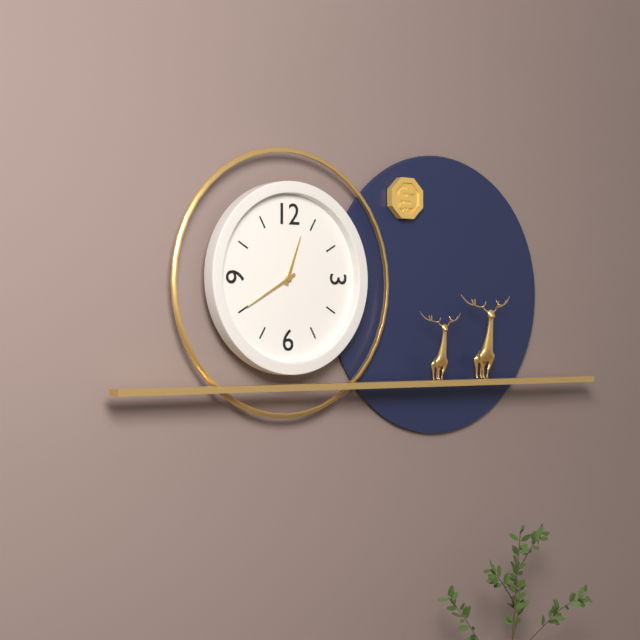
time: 12:40
